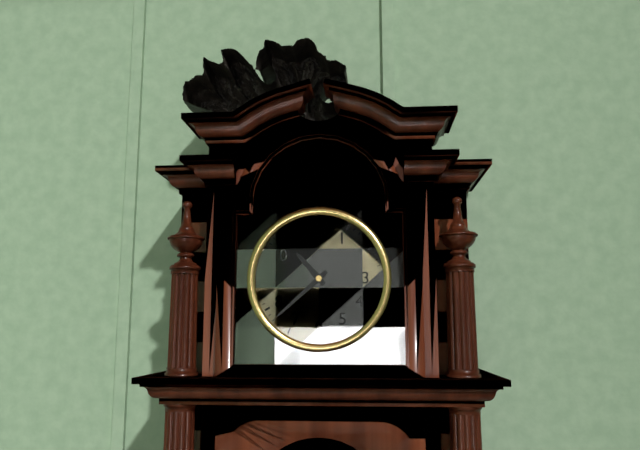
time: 10:38
